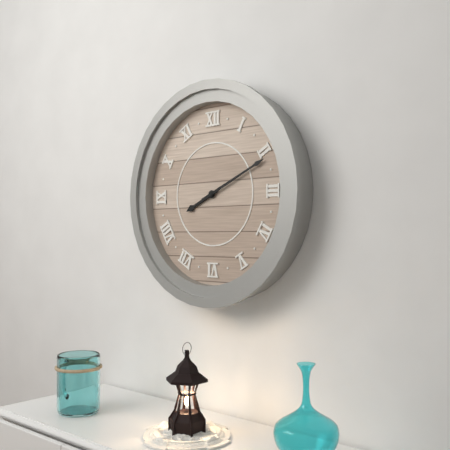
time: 8:11
